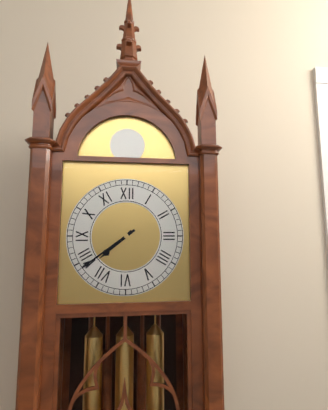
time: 7:39
